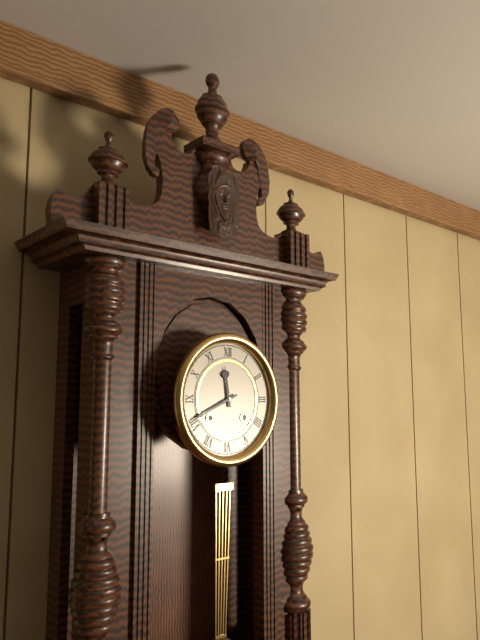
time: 11:41
